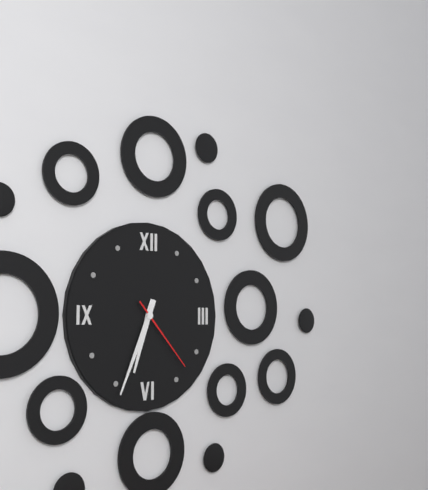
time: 6:34:23
